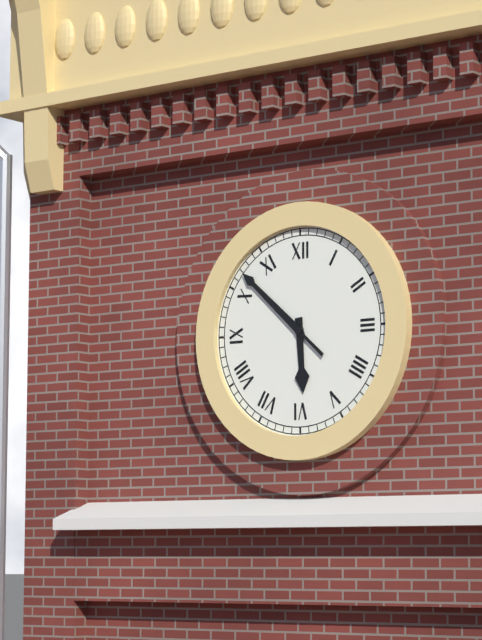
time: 5:52
